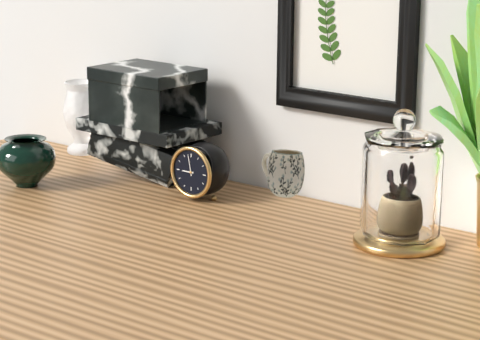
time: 8:58
